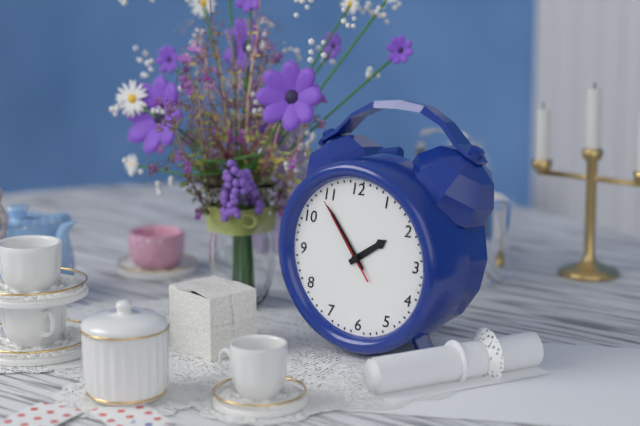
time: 1:54:54
